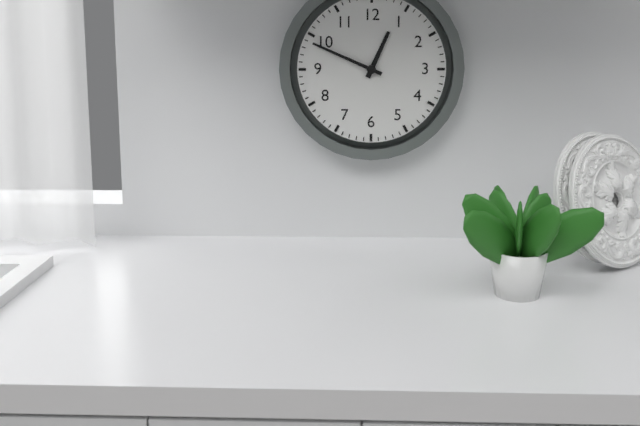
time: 12:49
